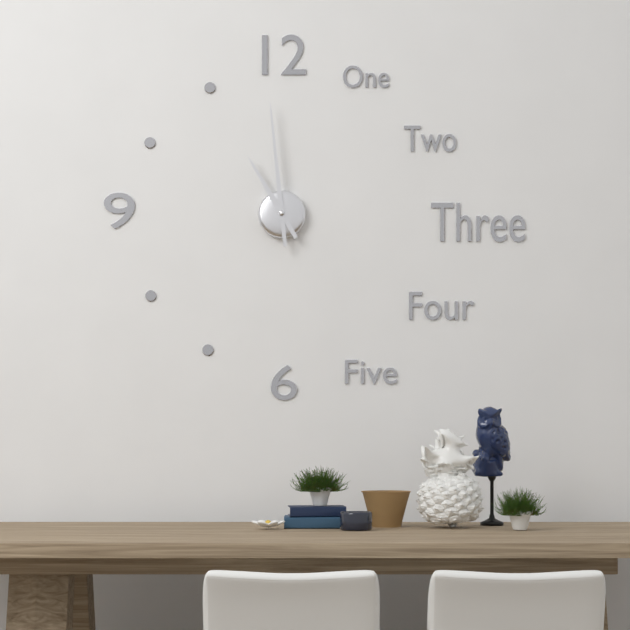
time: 10:59
